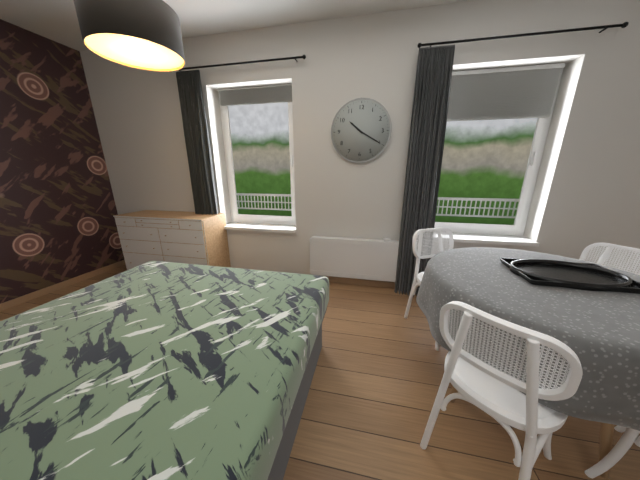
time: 10:20
